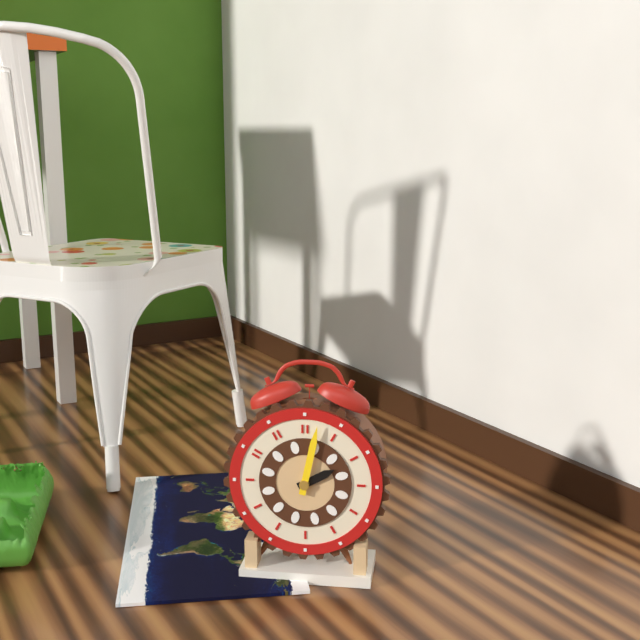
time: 2:02
